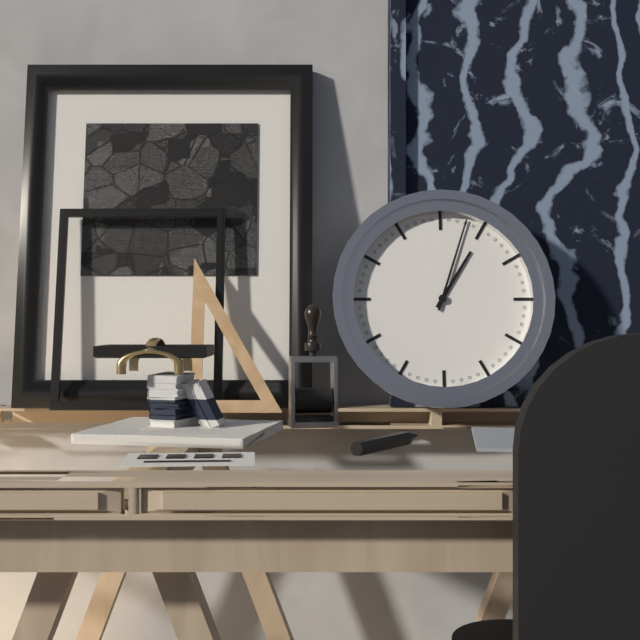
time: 1:03
